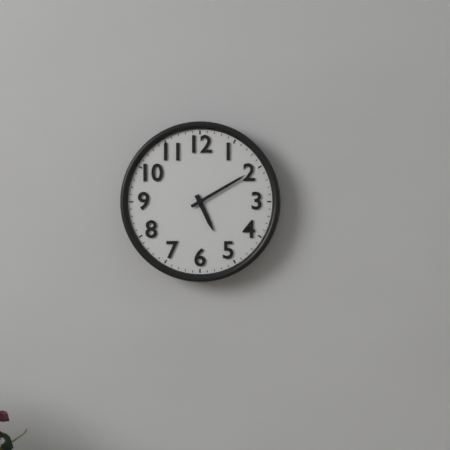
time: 5:10
